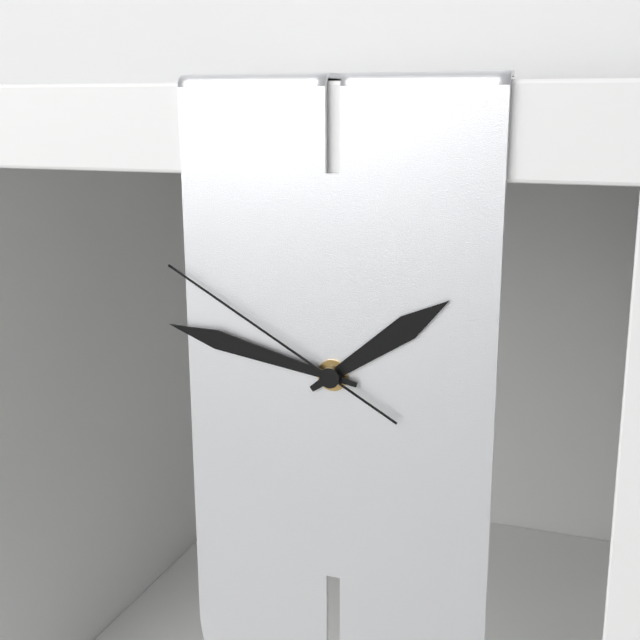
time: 1:47:50
